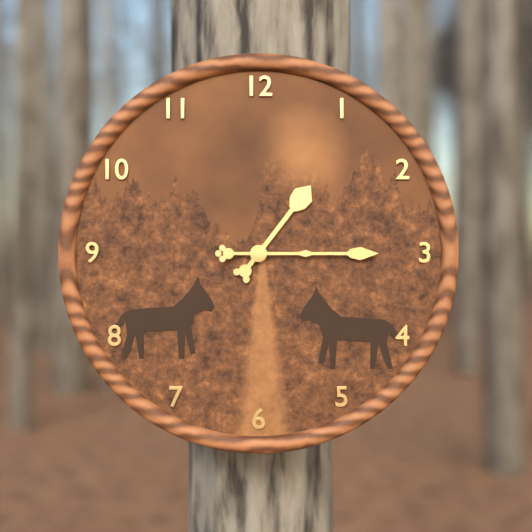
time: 1:15
